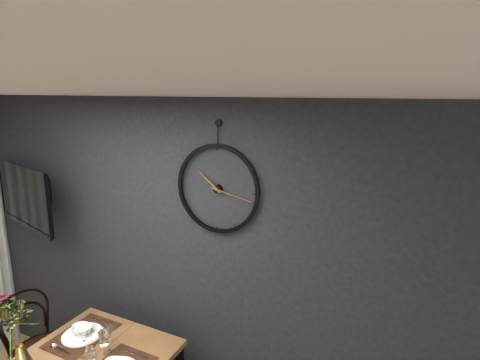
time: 10:17
